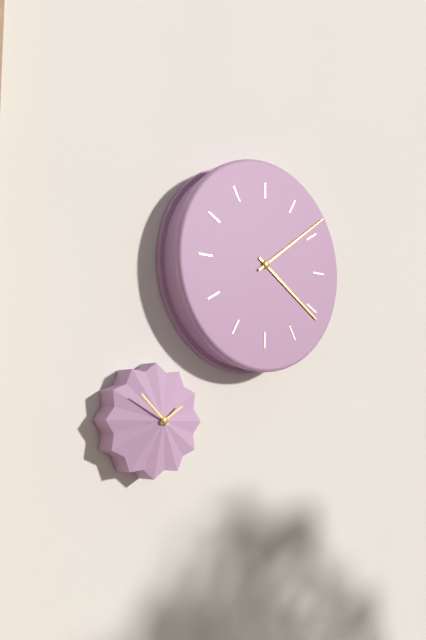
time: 4:09
